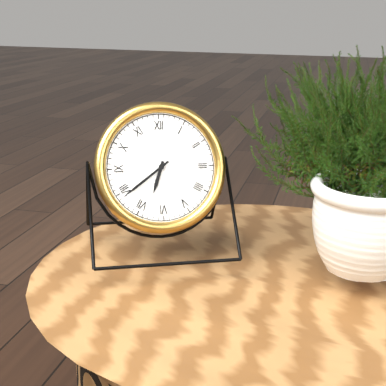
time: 6:39
